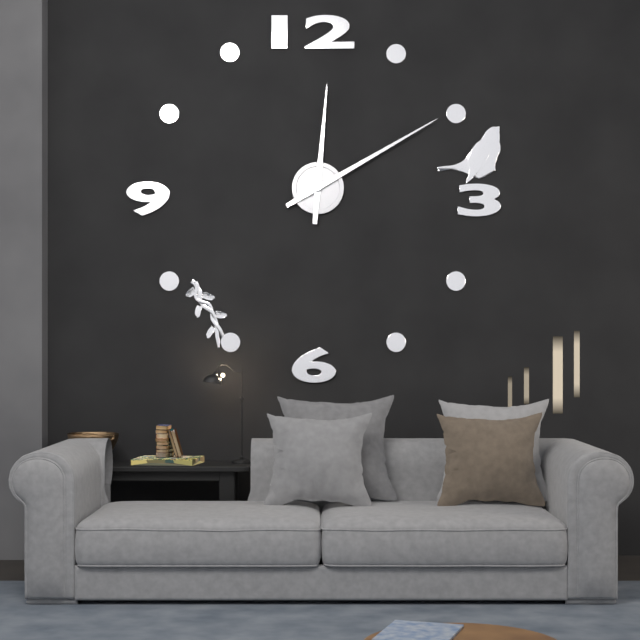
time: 12:10
